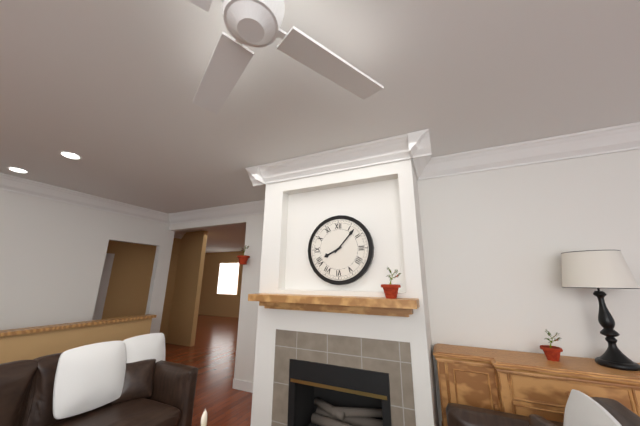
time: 8:07
